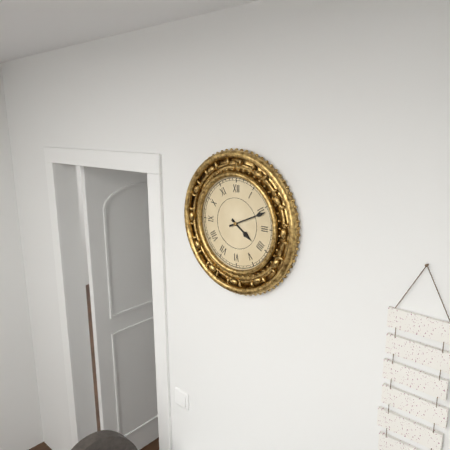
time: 4:11
